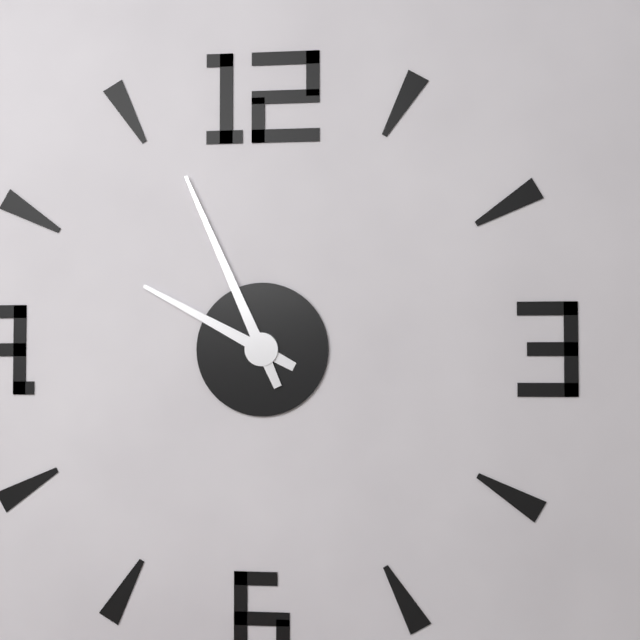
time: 9:56
